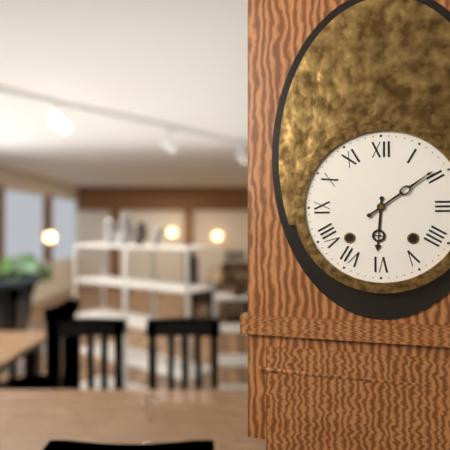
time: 6:09
